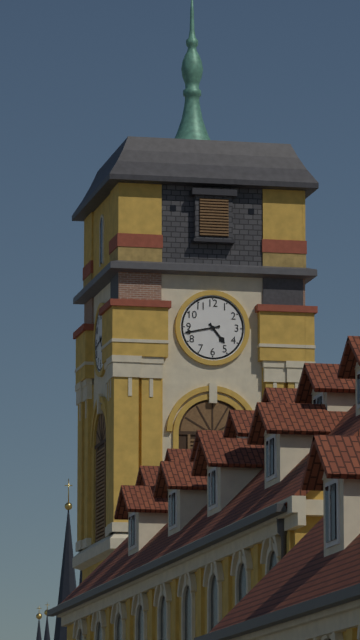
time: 4:43
